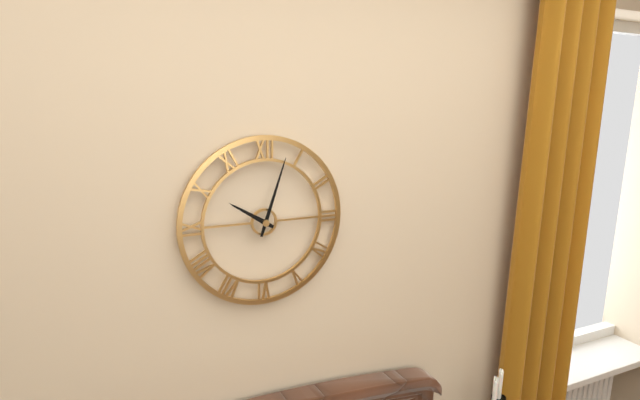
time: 10:03
